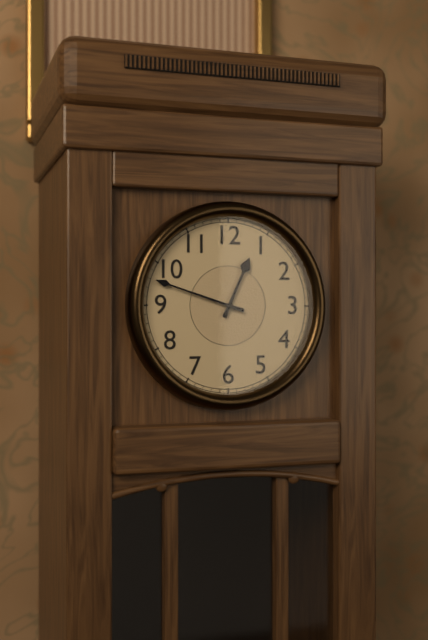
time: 12:48
